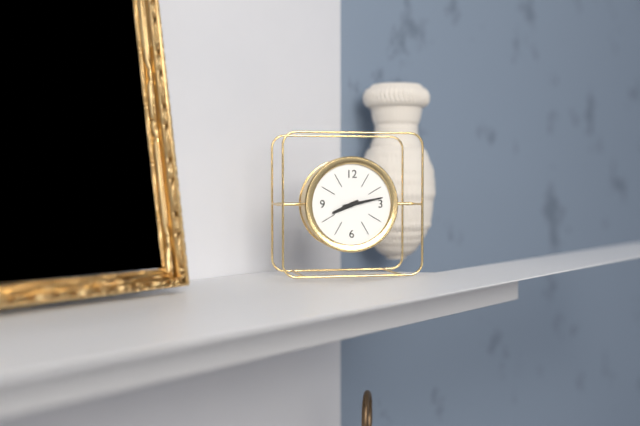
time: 8:13
